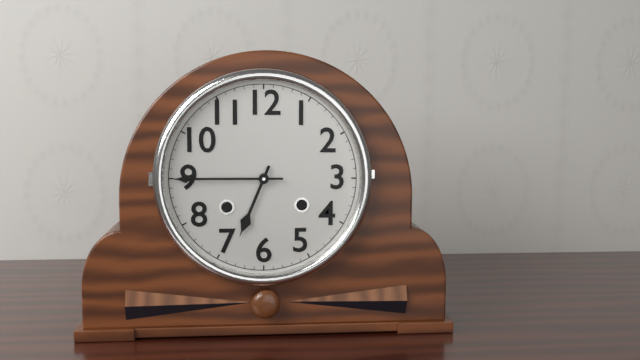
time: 6:45
